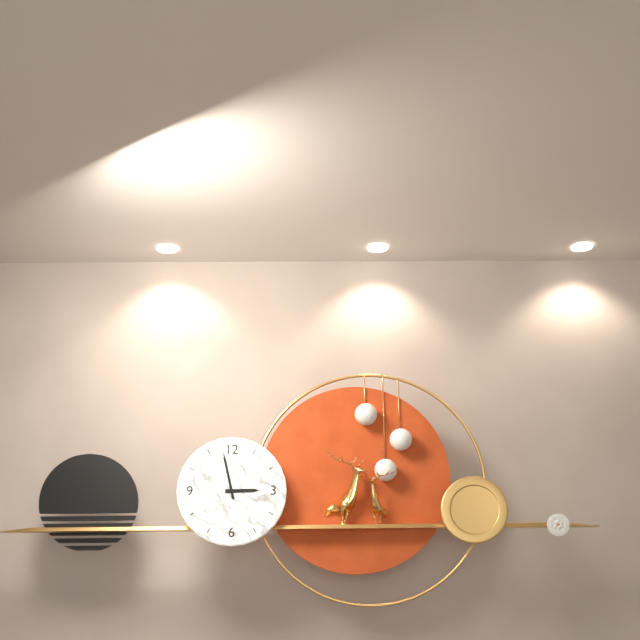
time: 2:58
